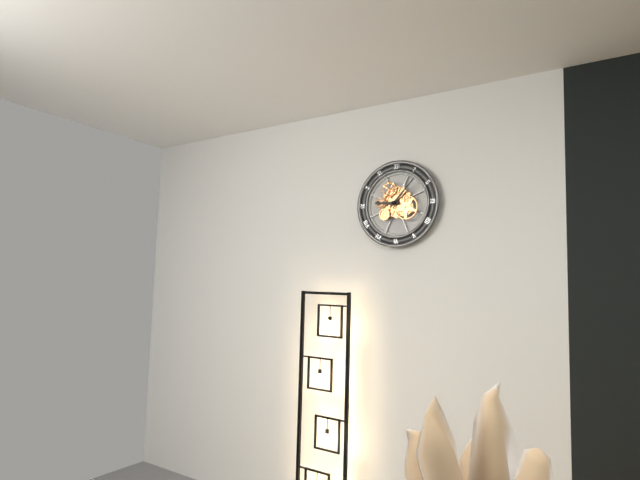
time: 9:07
